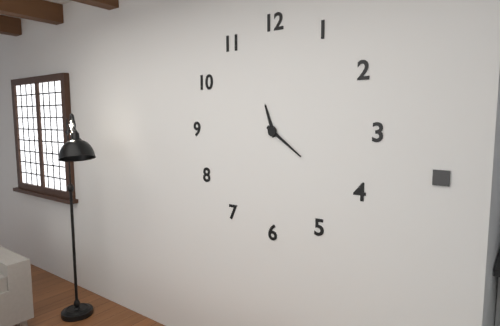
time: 11:21
